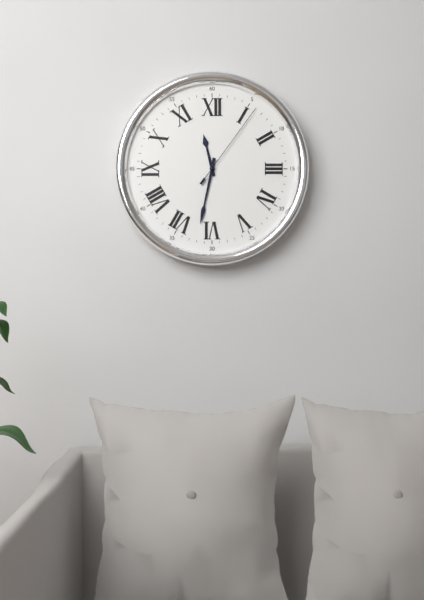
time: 11:32:06
